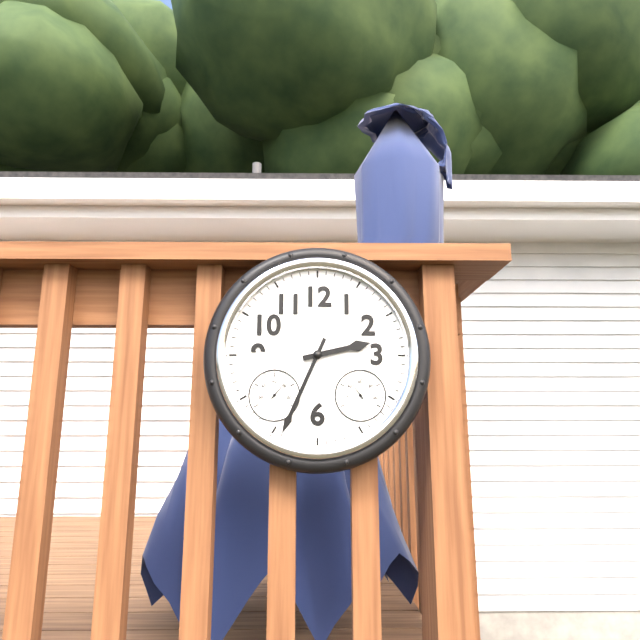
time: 2:34
